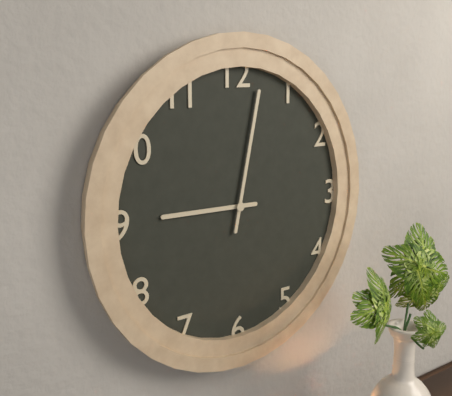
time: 9:02
